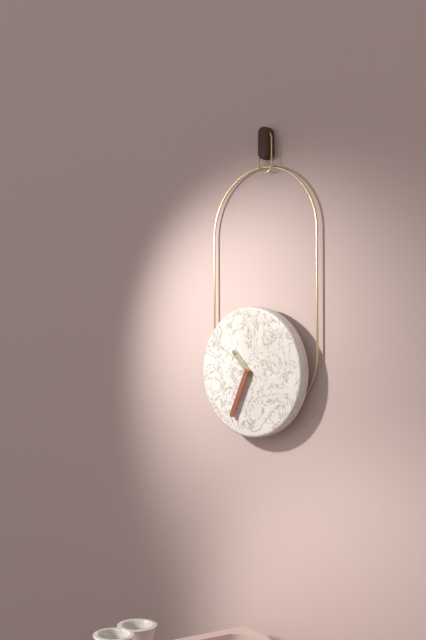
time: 10:34
